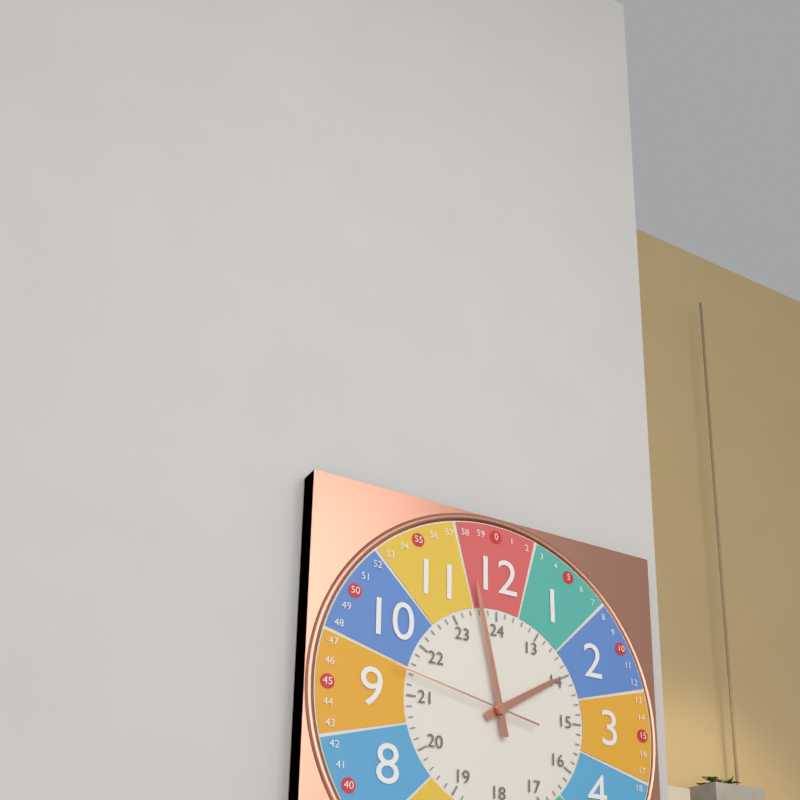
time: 1:58:47
